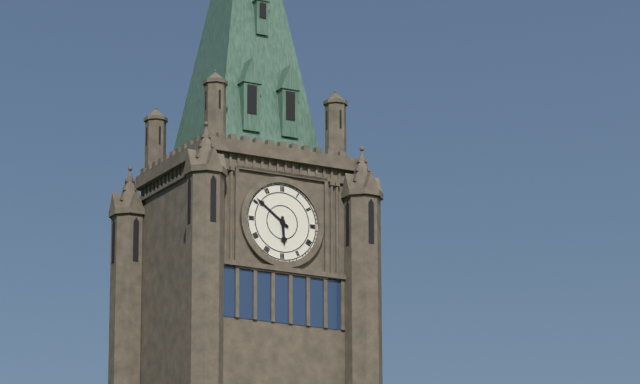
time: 5:51
